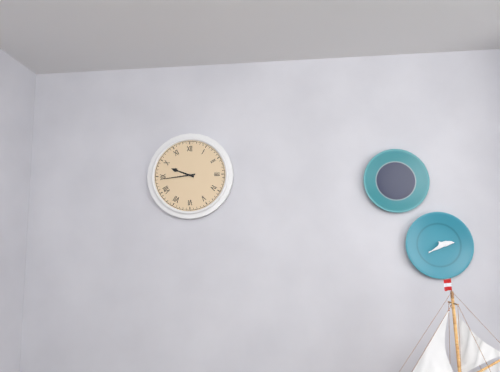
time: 9:44
